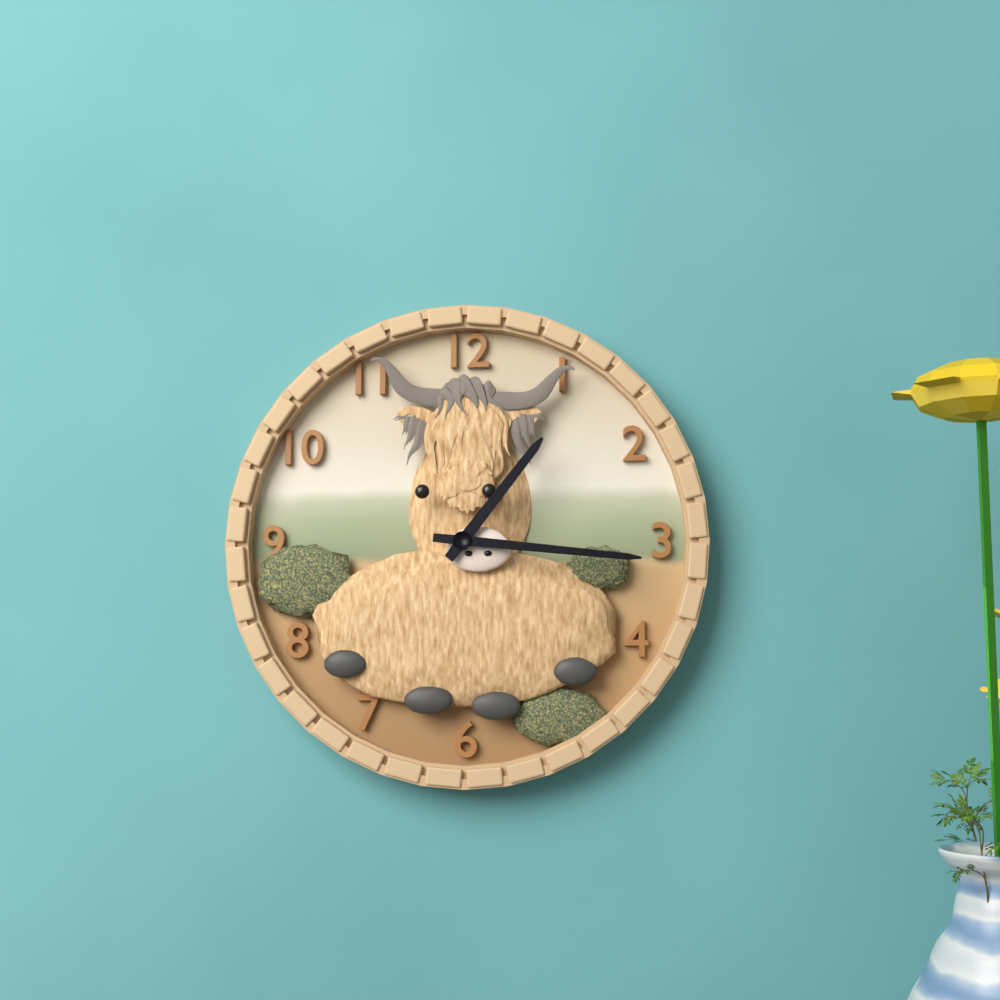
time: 1:16
